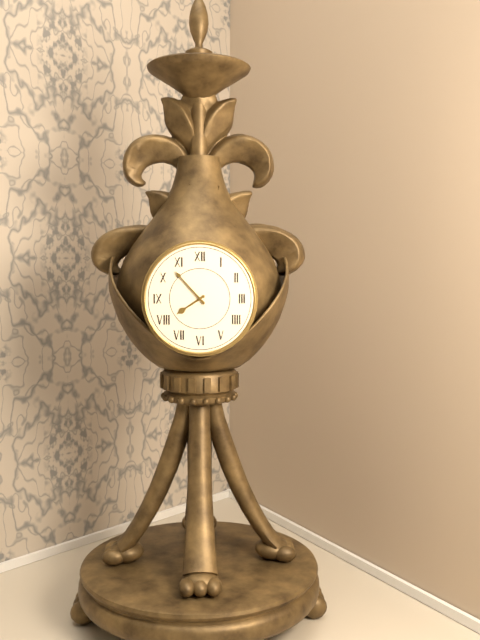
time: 7:53
